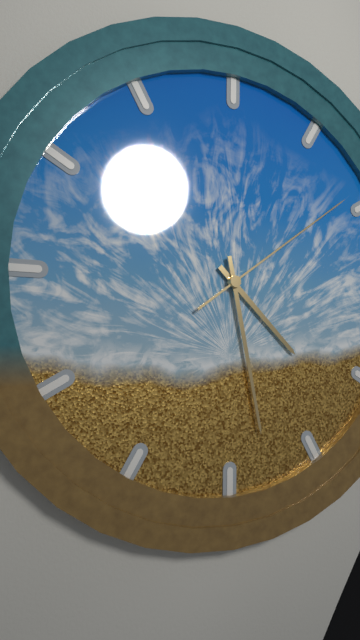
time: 4:28:09
